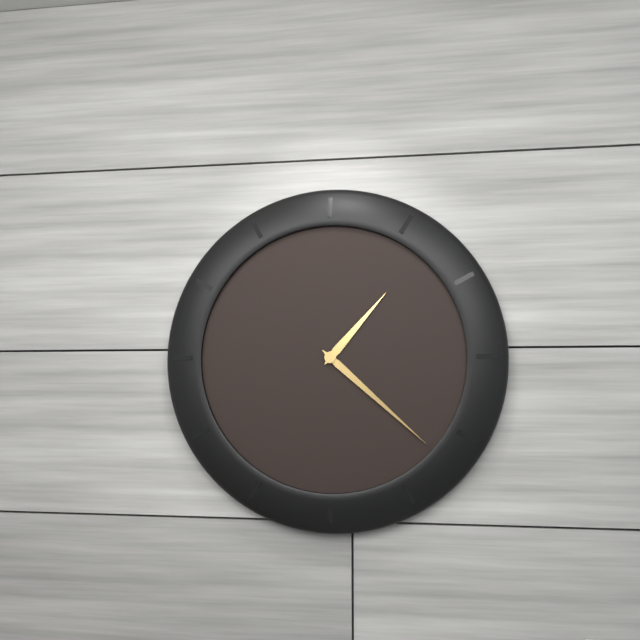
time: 1:22
